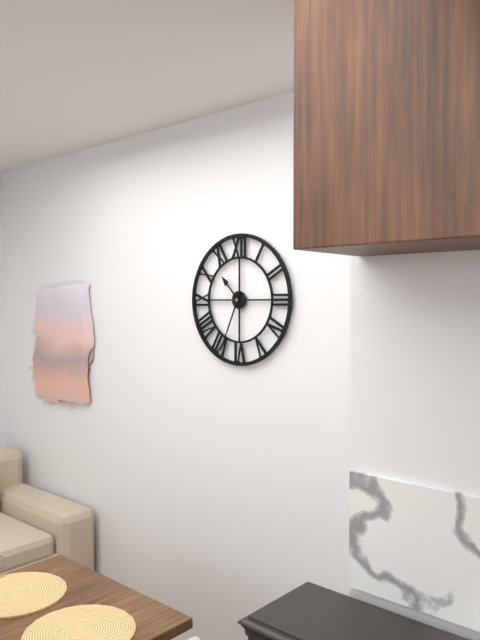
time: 10:34
